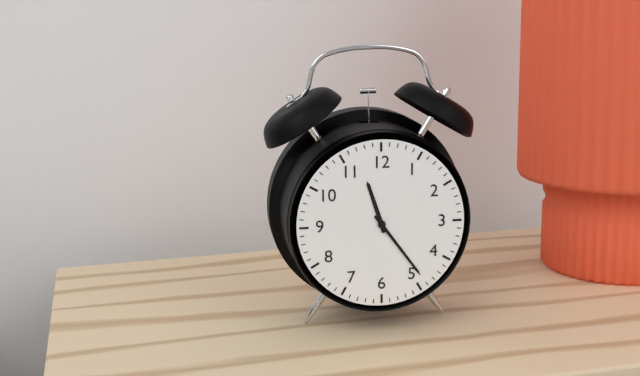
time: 11:24
